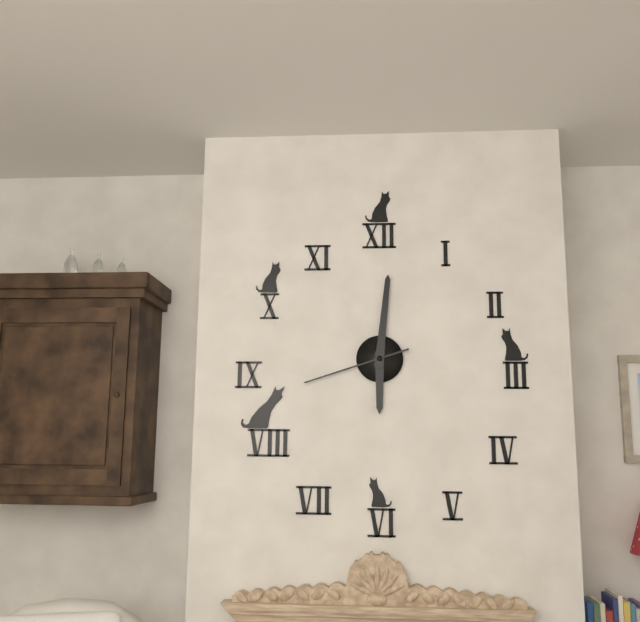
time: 6:01:42
